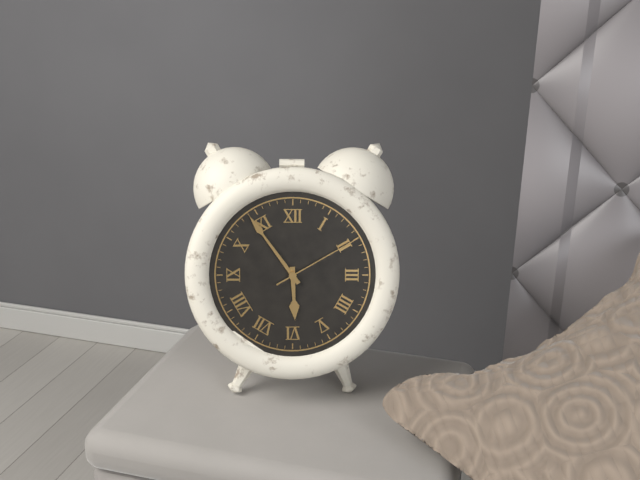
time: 5:54:10
